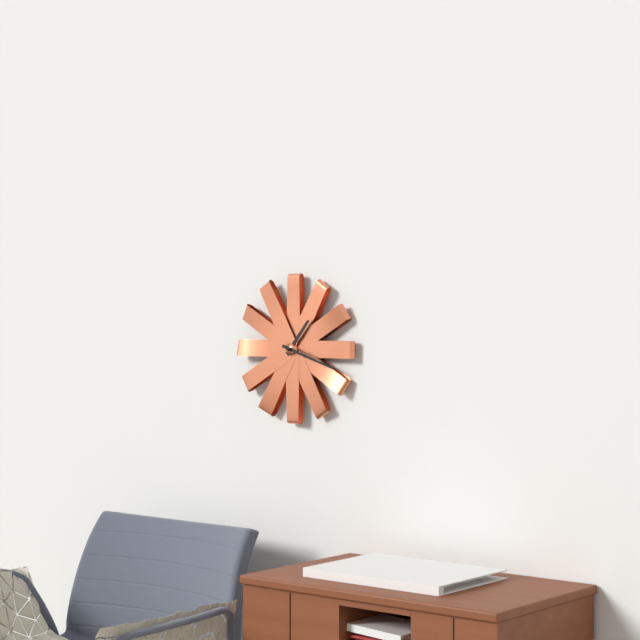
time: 1:18
